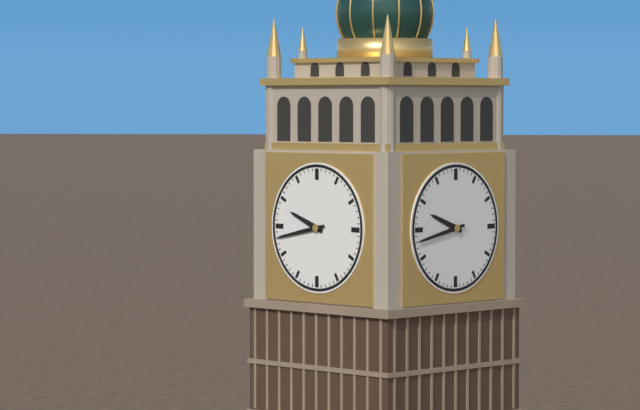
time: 9:43
